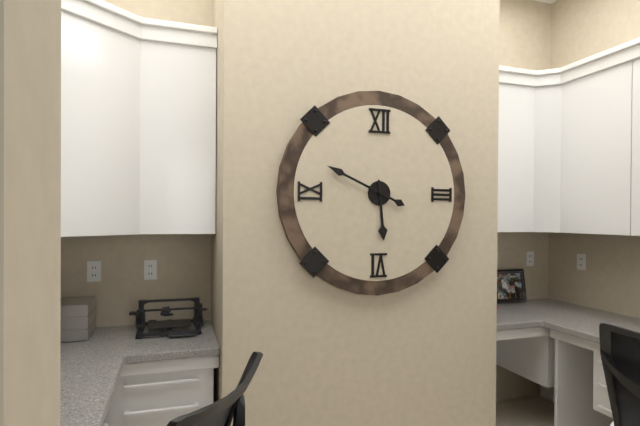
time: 5:49
